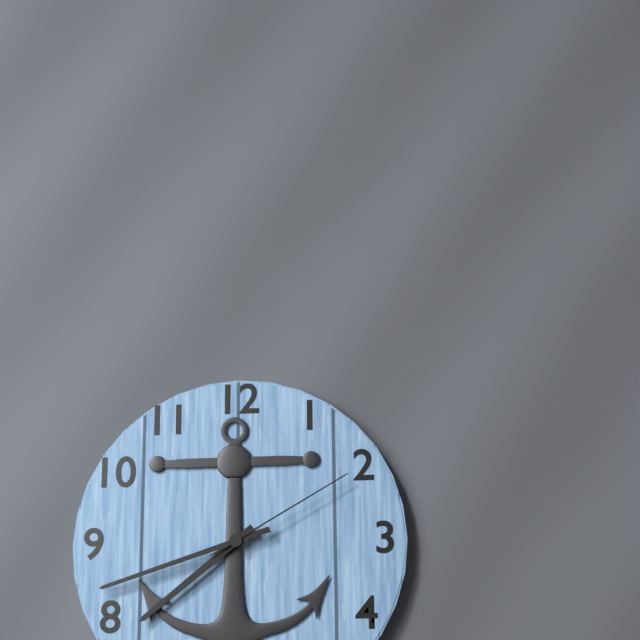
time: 7:42:10
